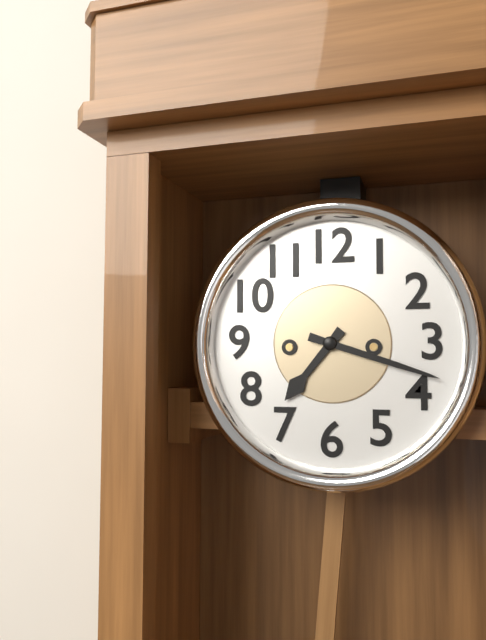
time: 7:18
